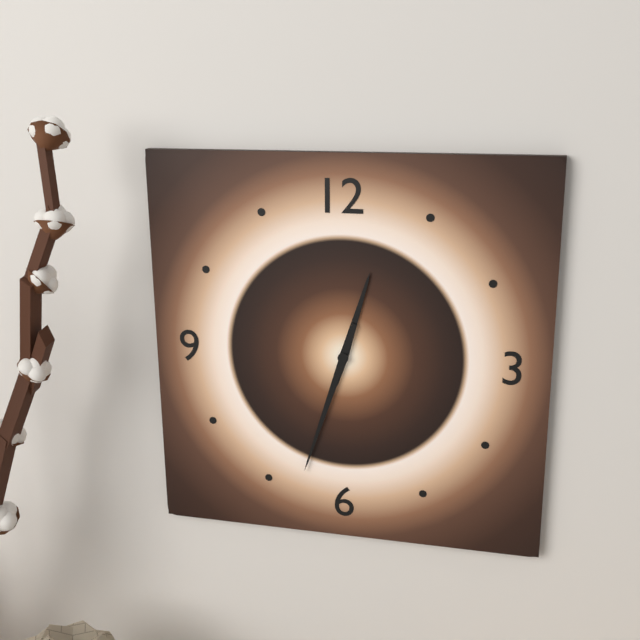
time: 12:33
